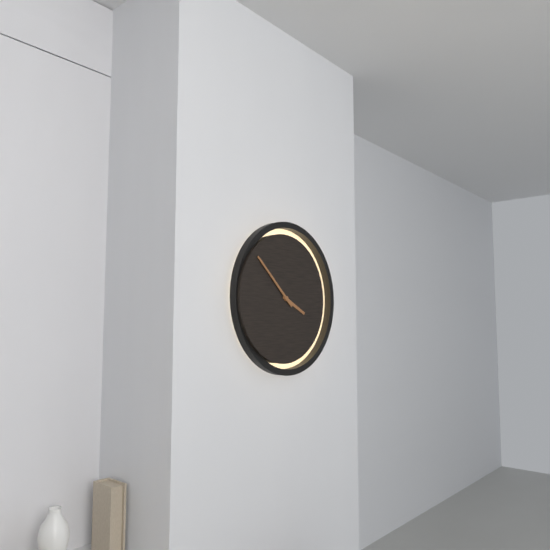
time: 3:52
